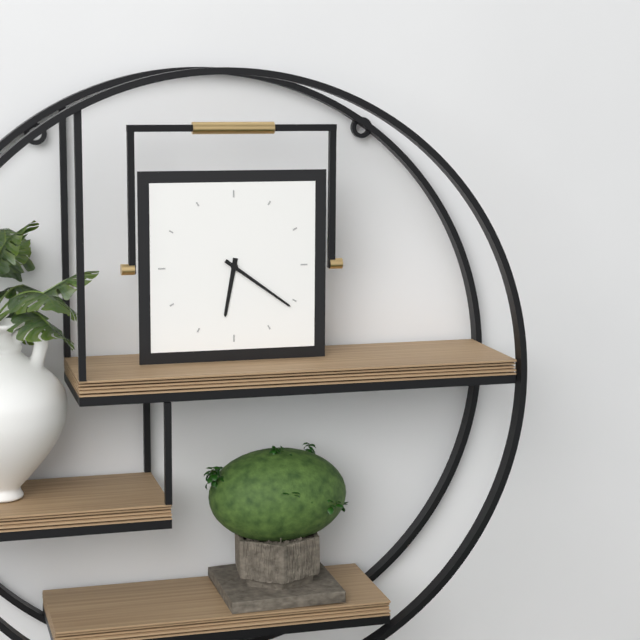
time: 6:21
